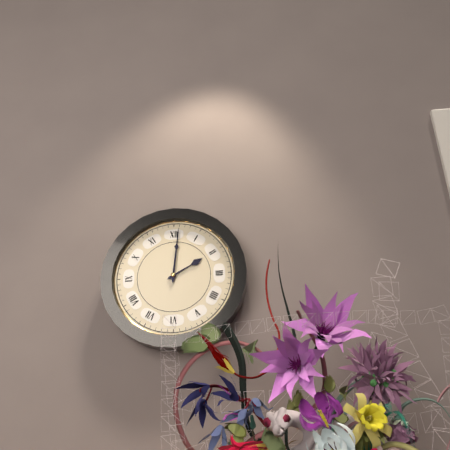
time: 2:01
